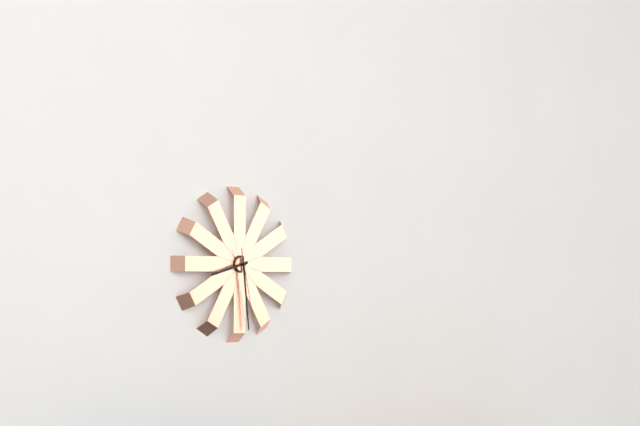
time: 8:29:28
